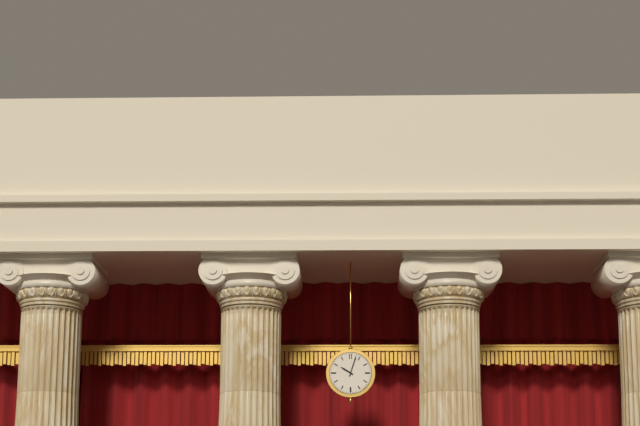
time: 10:03
